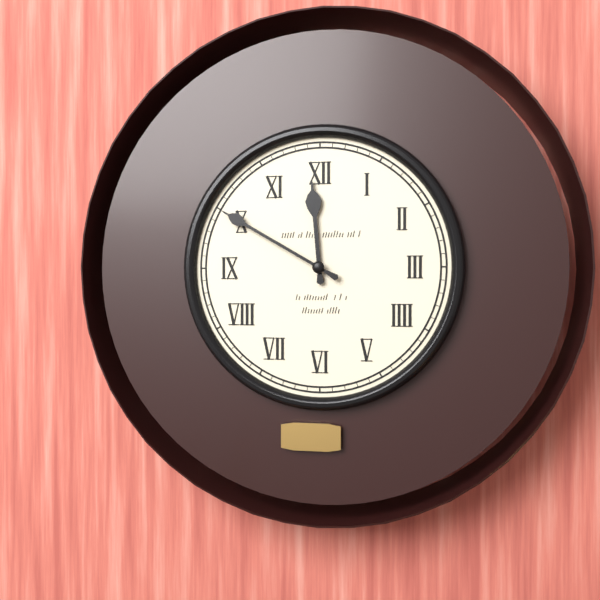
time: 11:50
